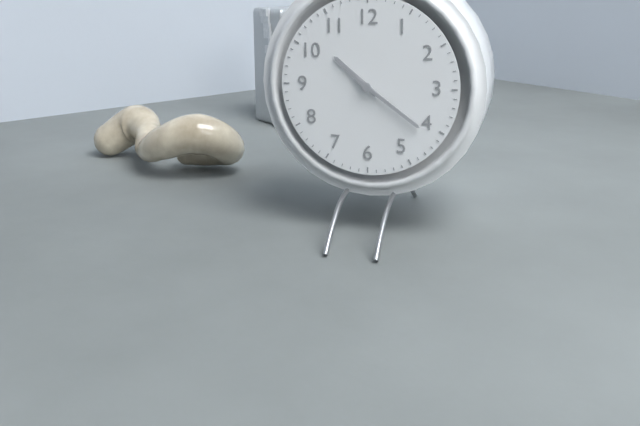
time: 10:21
